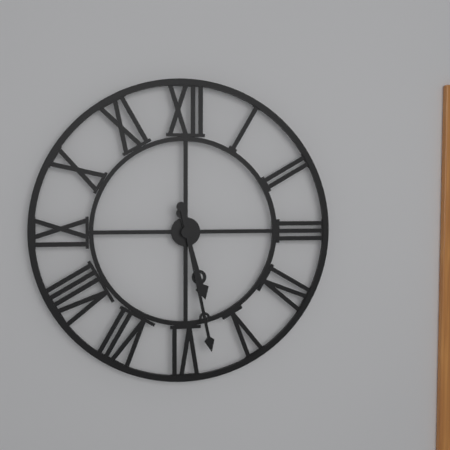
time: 5:28
